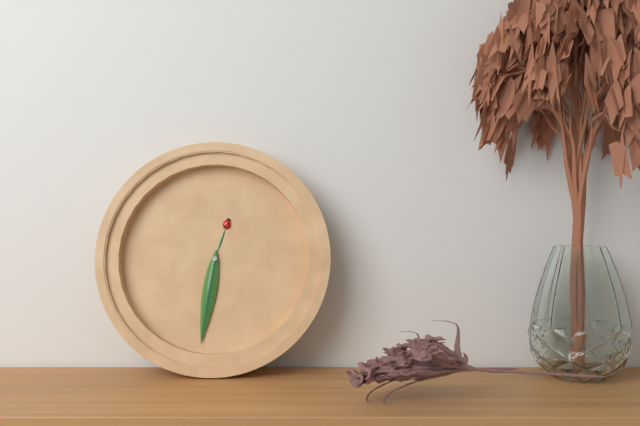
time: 12:31
